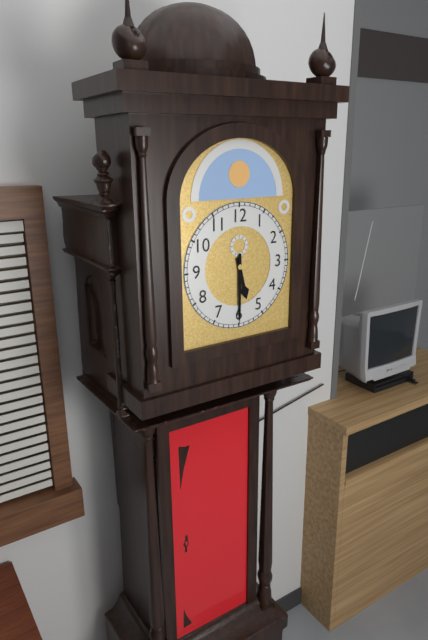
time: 5:30
